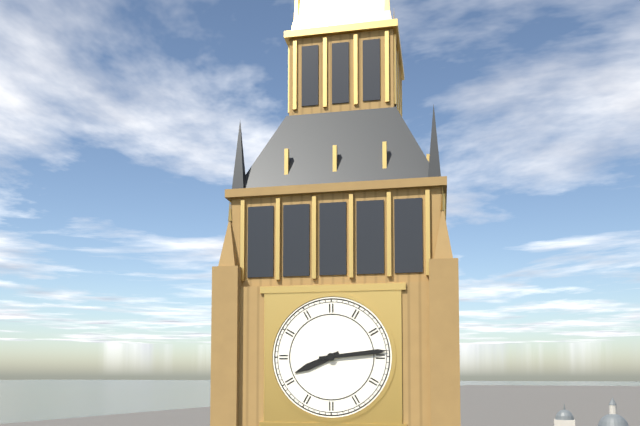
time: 8:14
